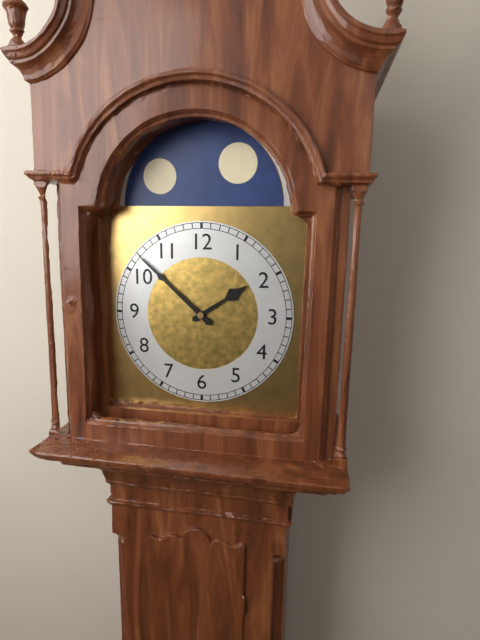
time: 1:52
